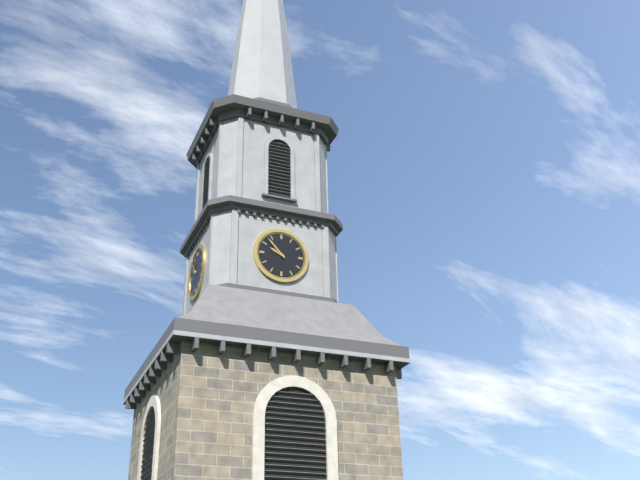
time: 9:53
